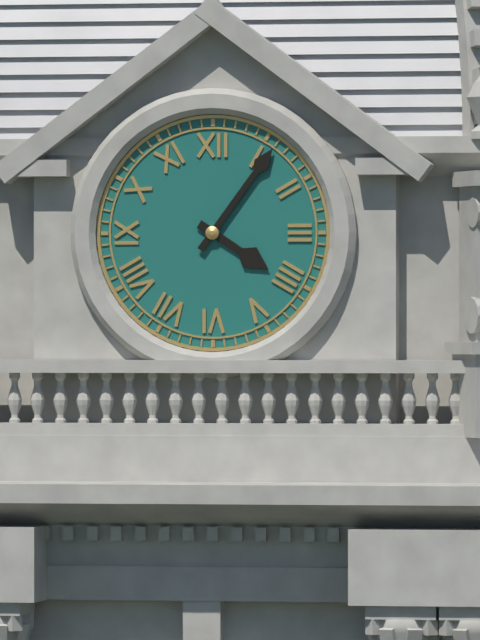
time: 4:06
